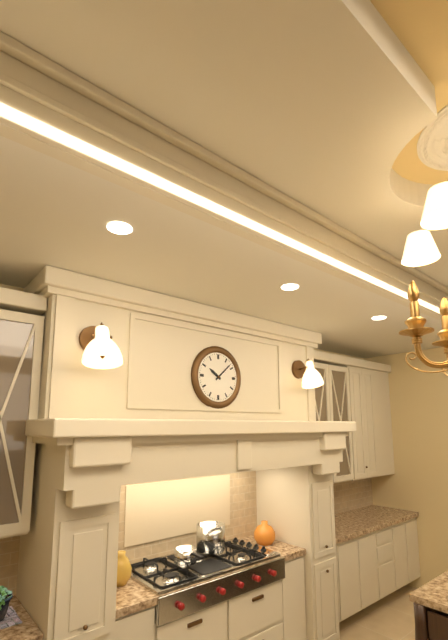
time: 10:08
